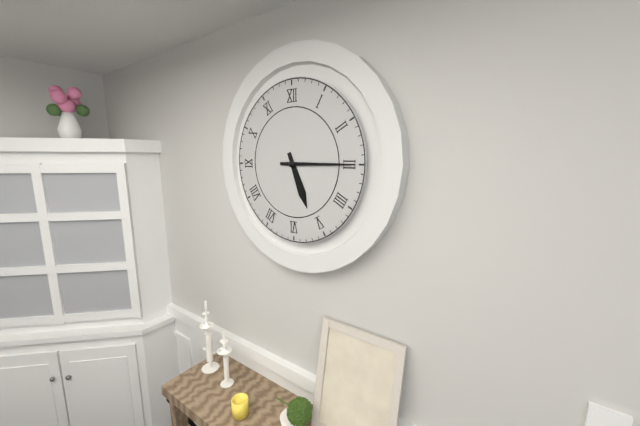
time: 5:15
